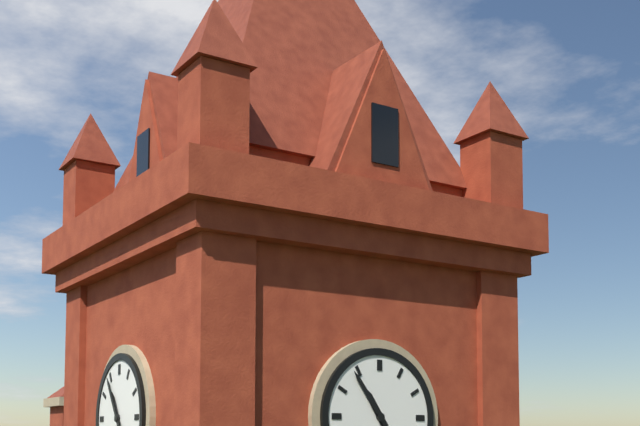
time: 10:54
